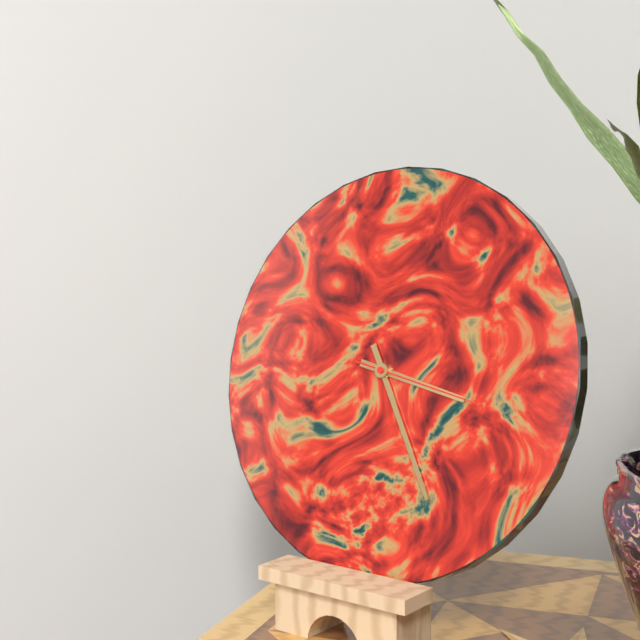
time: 3:25:17
